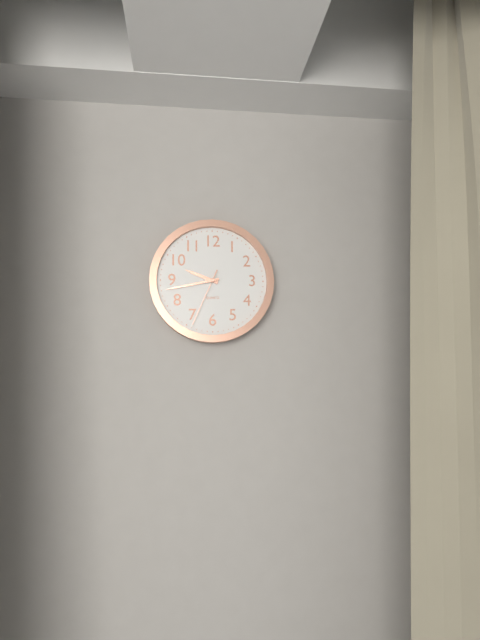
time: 9:43:34
